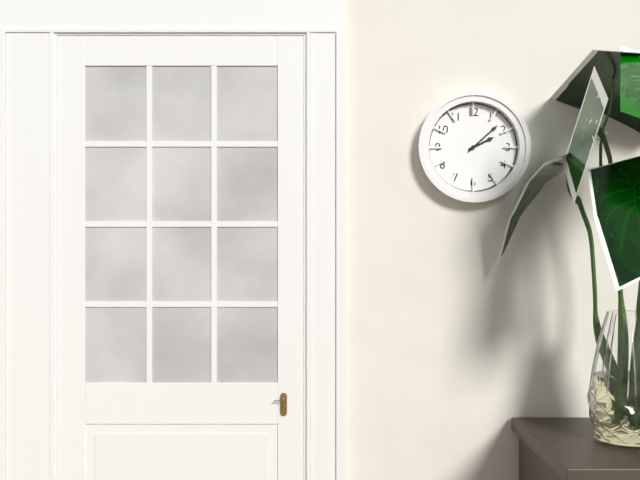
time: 2:08
